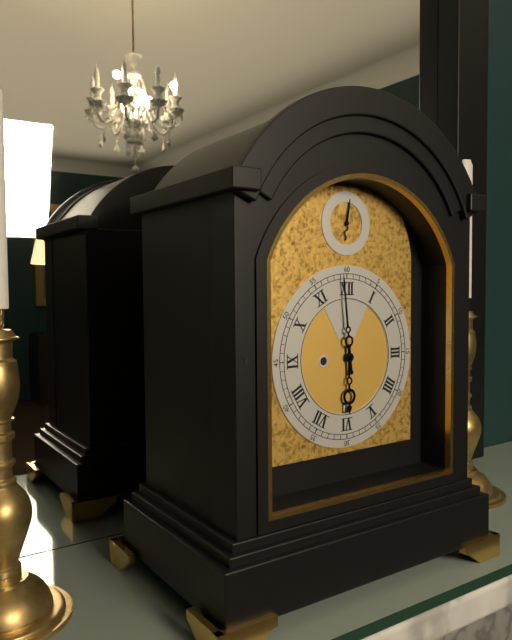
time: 5:59
